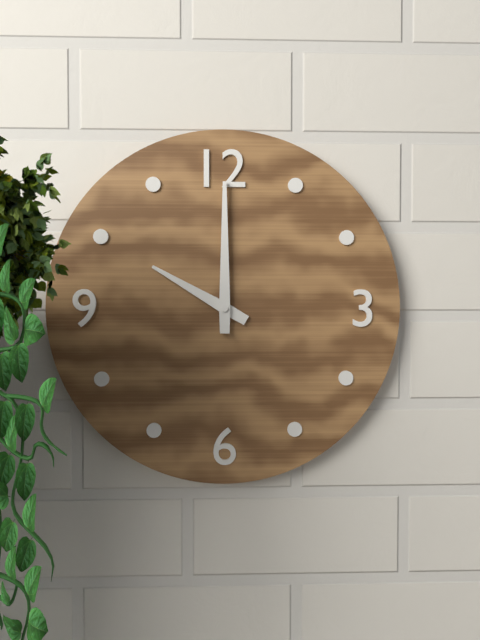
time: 10:00
